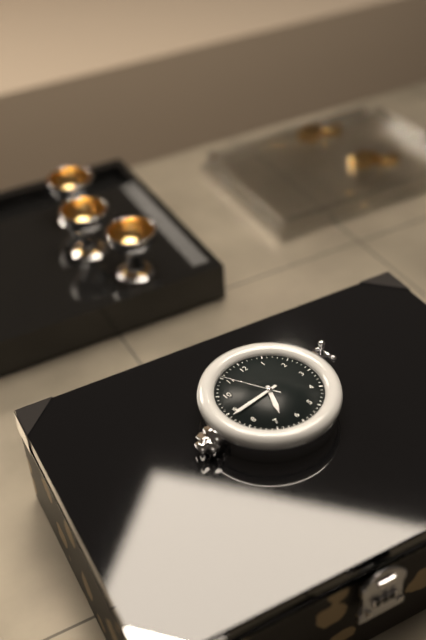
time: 6:44:55
